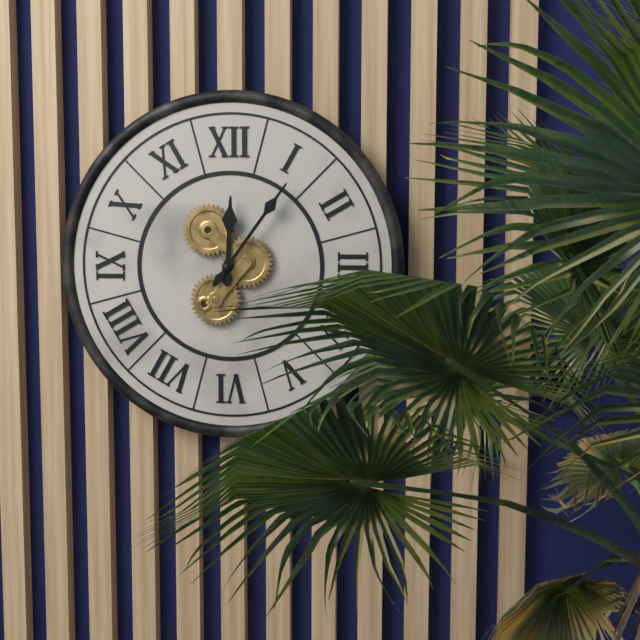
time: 12:06
